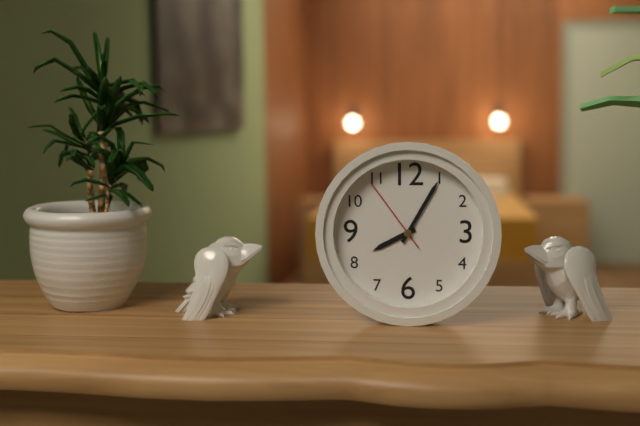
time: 8:05:54
